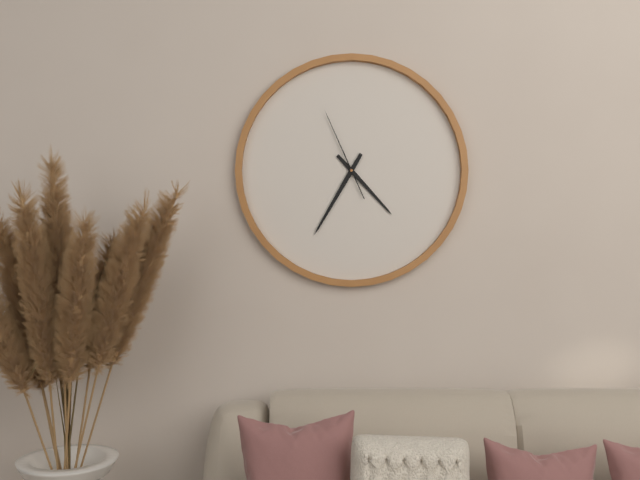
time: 4:35:56
